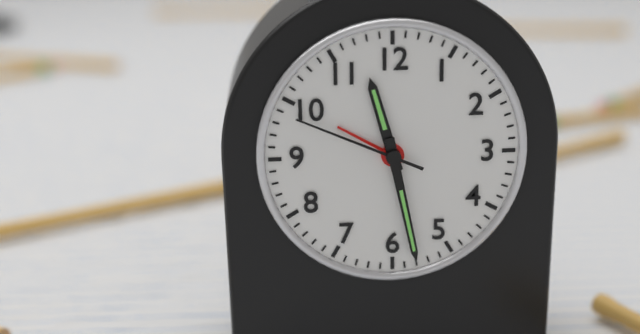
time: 11:28:49
